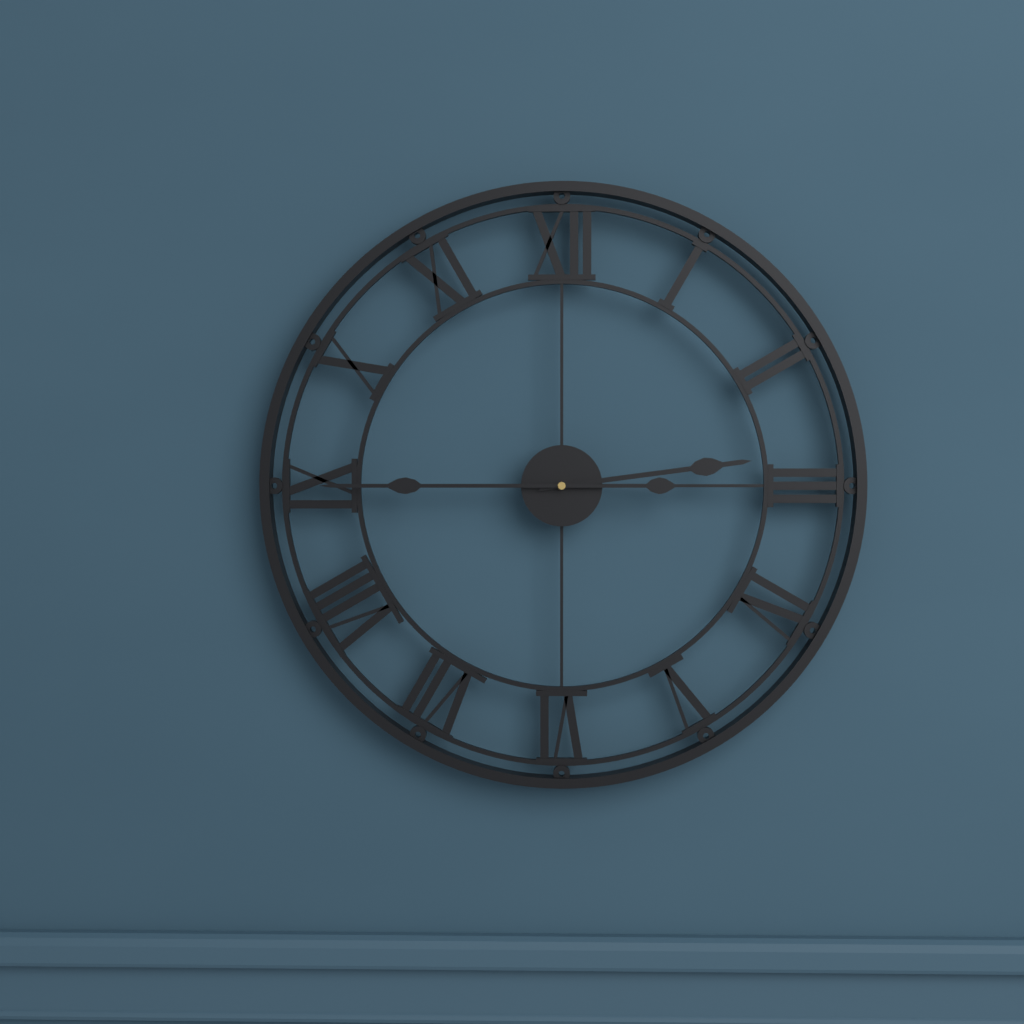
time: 2:45
